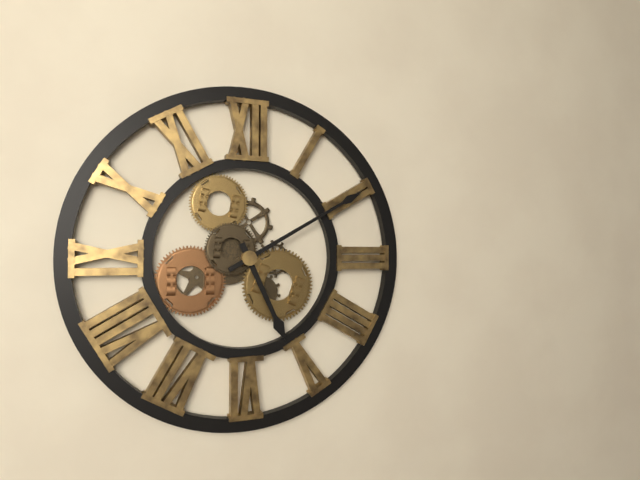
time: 5:10
